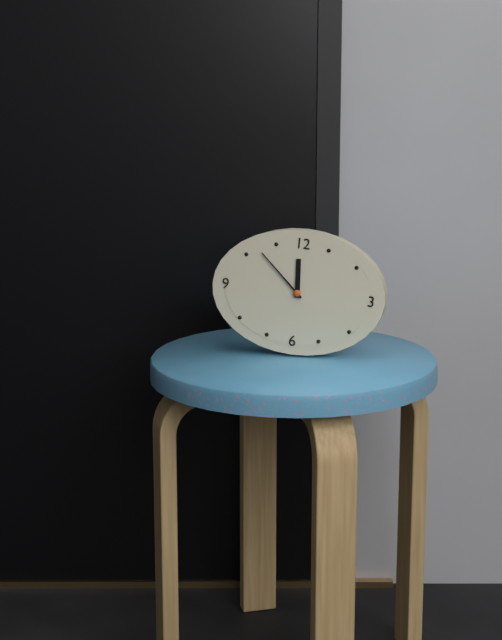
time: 11:52
